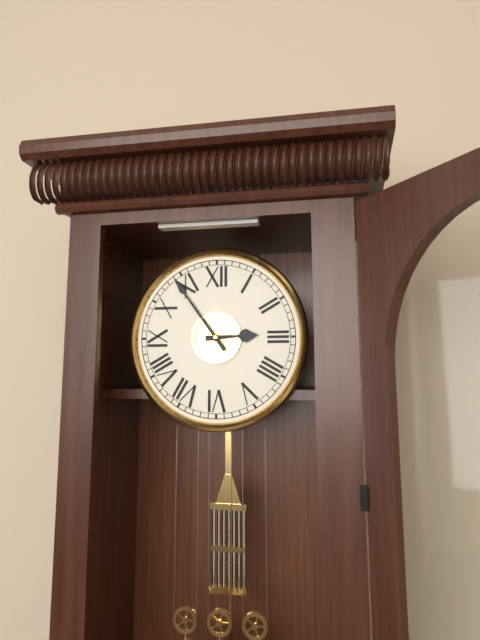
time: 2:54
